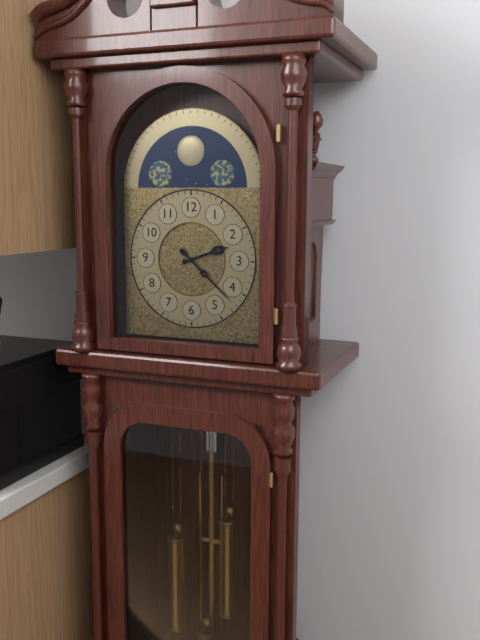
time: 2:22
